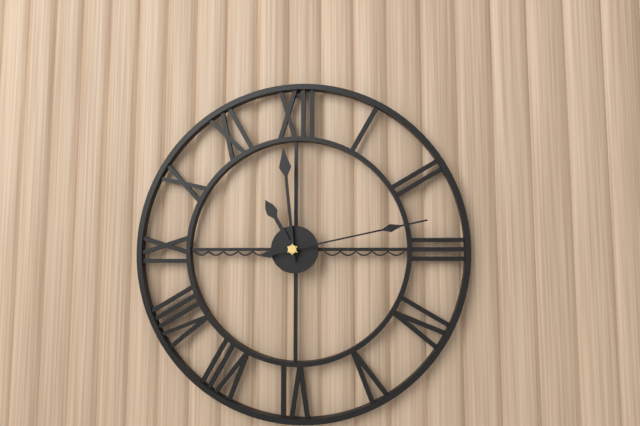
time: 10:59:13
